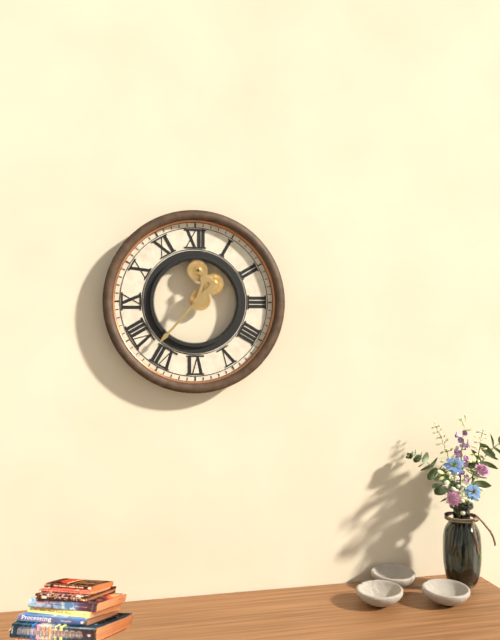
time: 12:37
